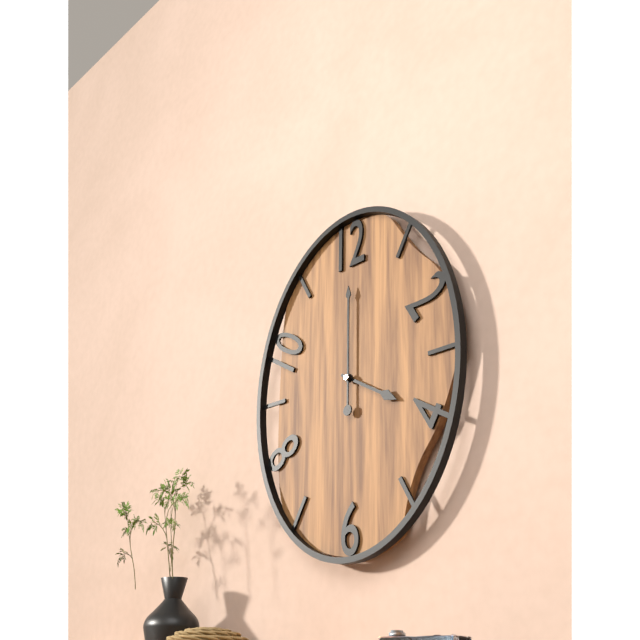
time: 4:00
